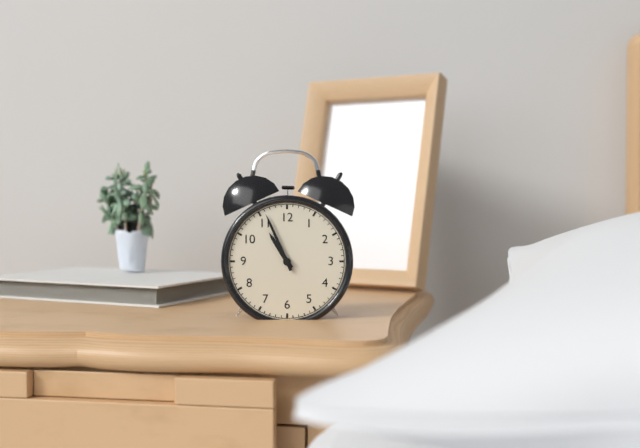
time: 10:56
